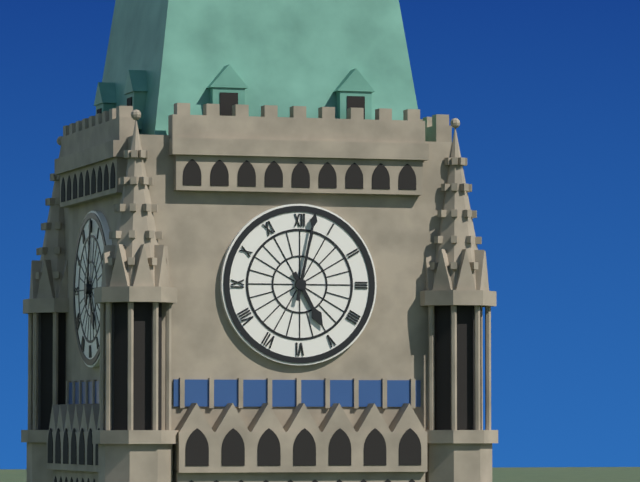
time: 5:02
